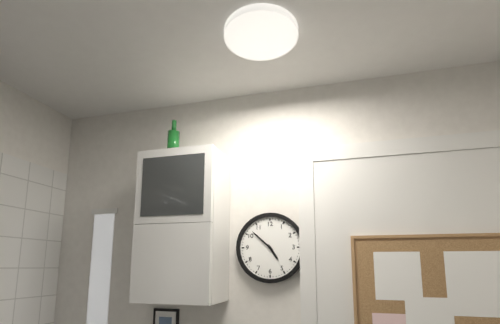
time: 4:52
